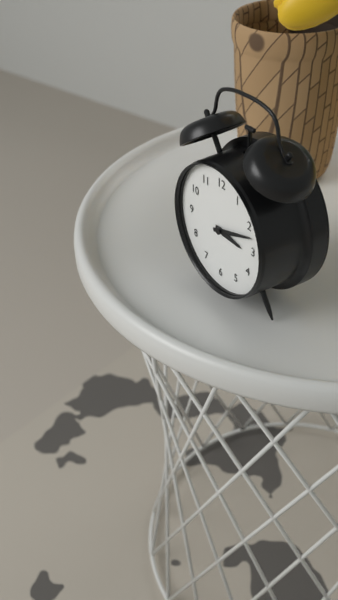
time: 3:12
